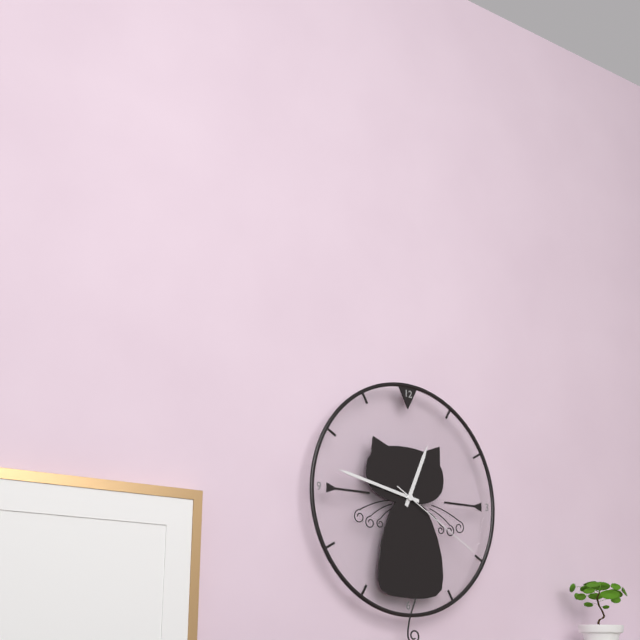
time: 12:47:20
